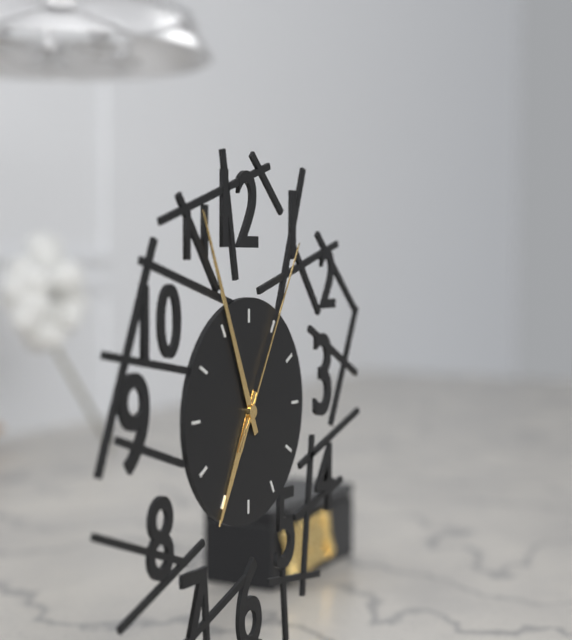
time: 6:56:05
